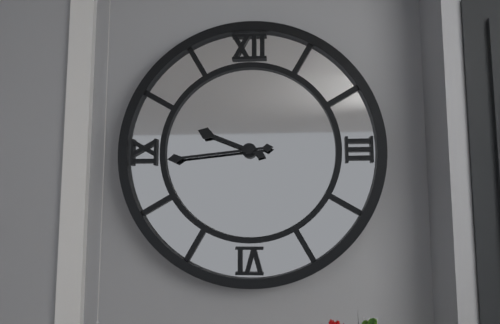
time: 9:44
